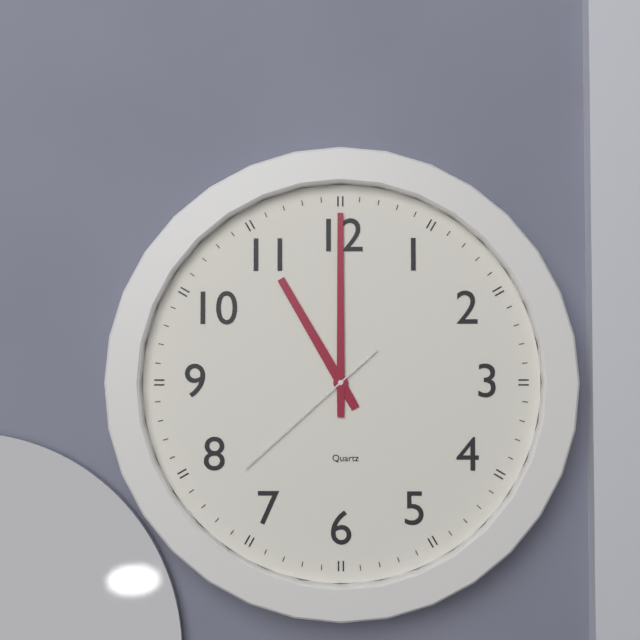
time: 11:00:38
